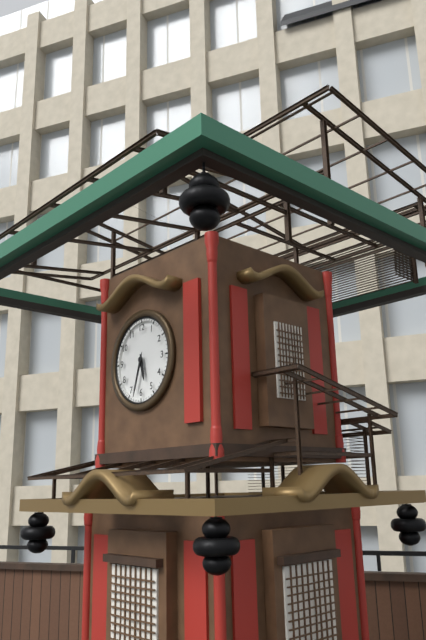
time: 5:33
